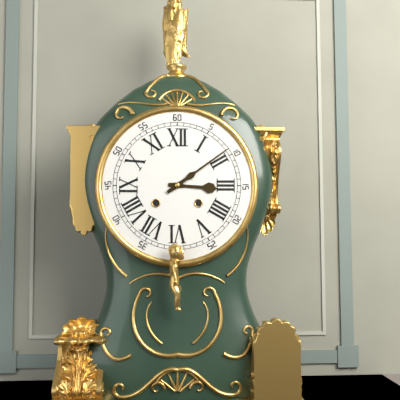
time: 3:09
